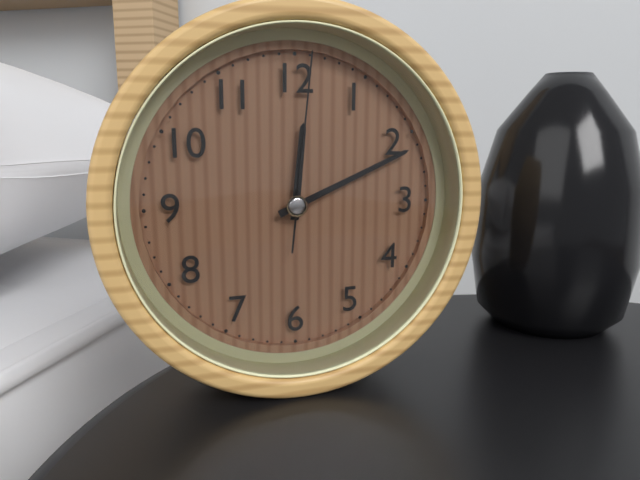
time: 12:11:01
